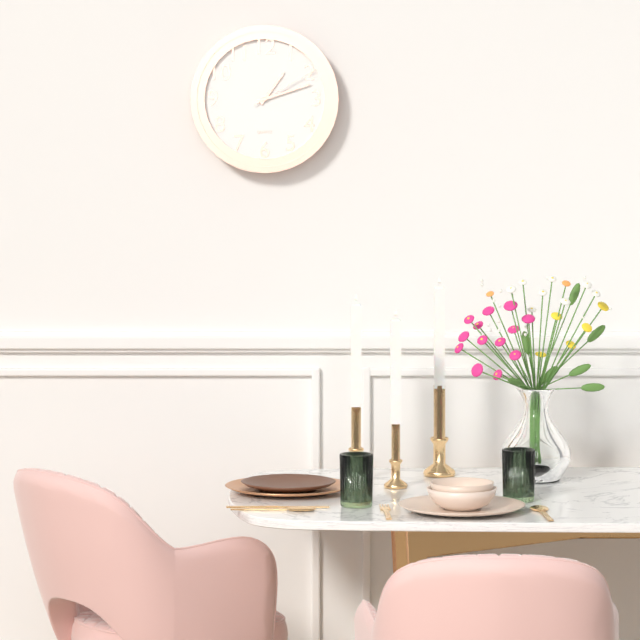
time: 1:12:10
